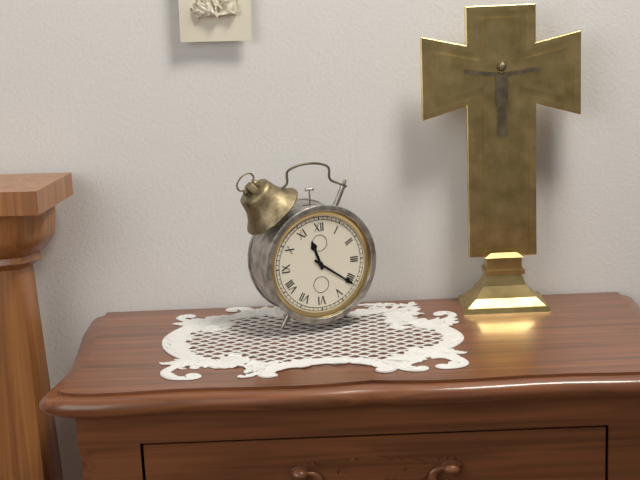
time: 11:21
